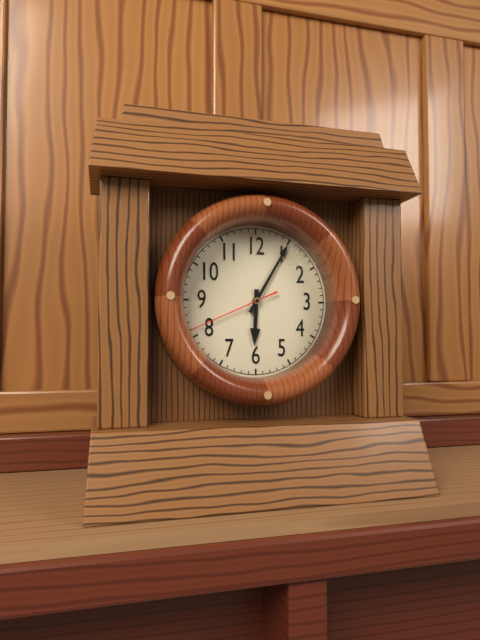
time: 6:05:41
